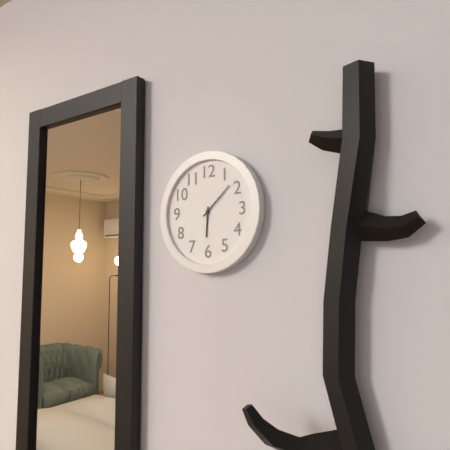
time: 6:08
